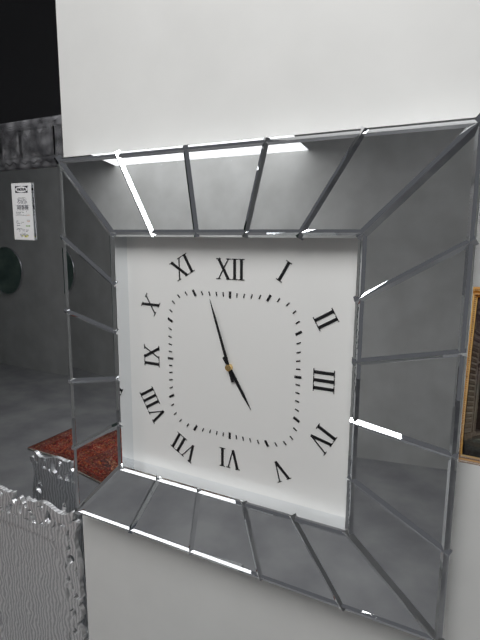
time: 4:57
